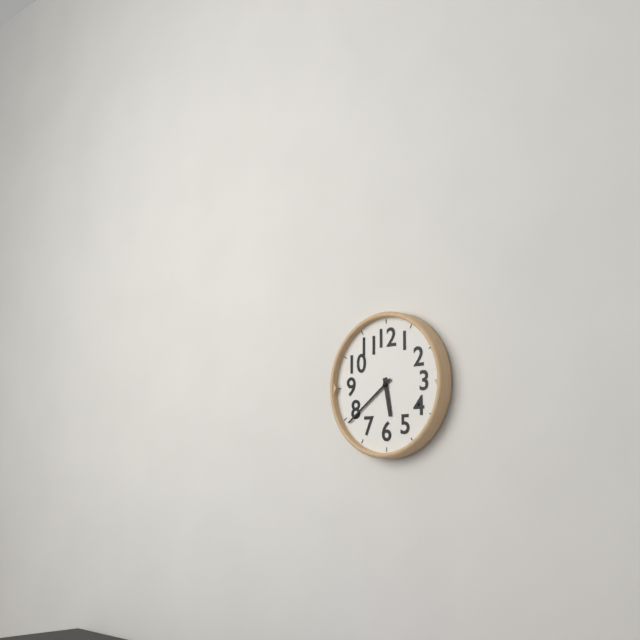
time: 5:39
